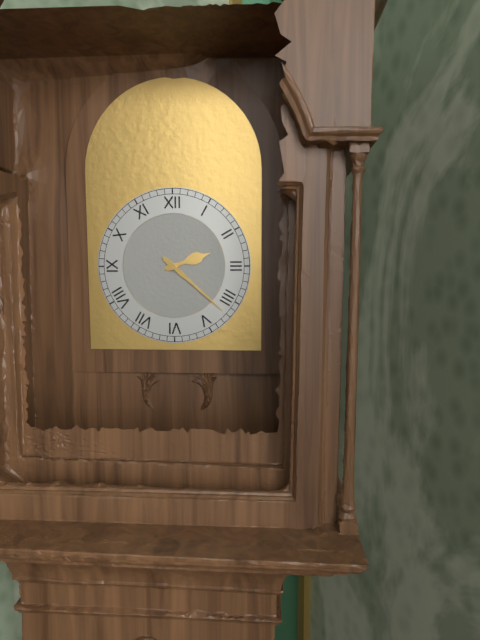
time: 2:22
